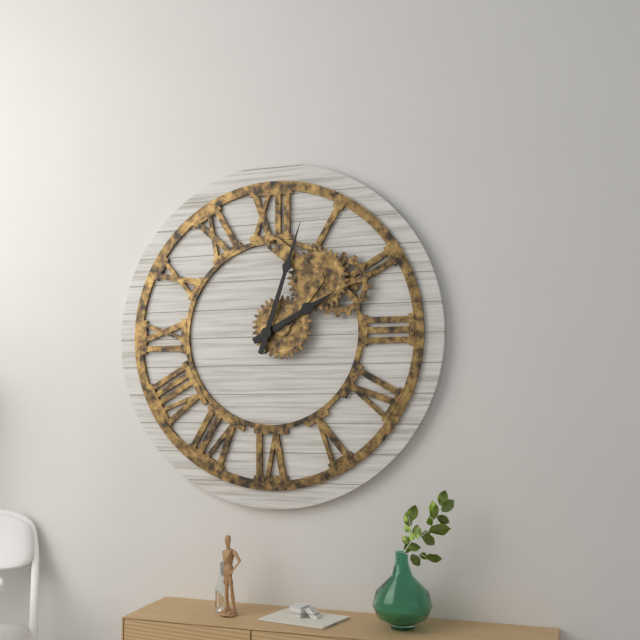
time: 2:03
